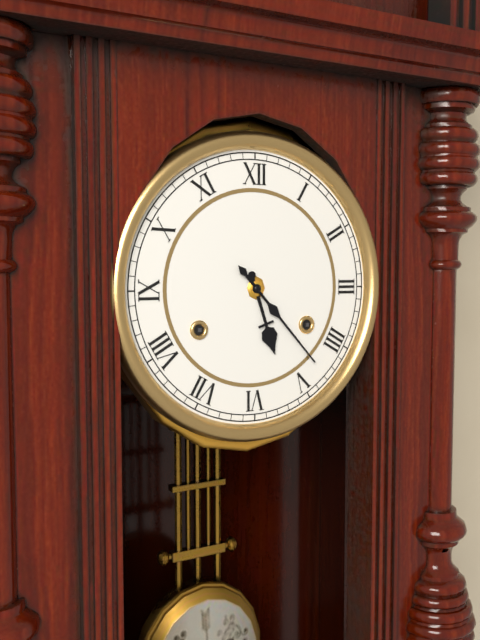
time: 5:23
